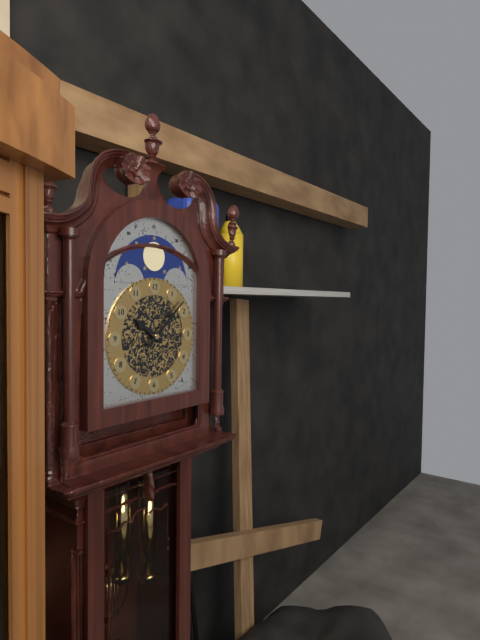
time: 10:08
